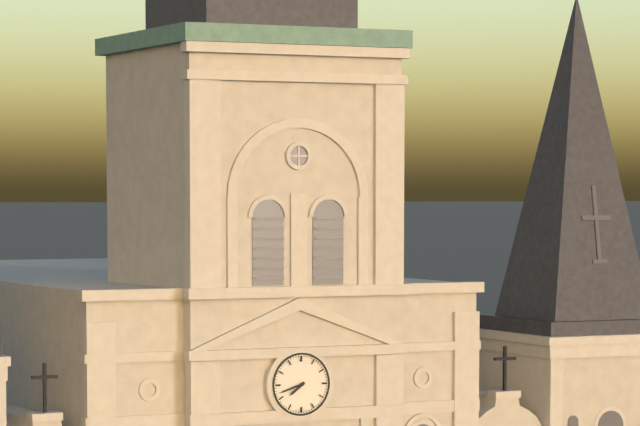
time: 7:42
